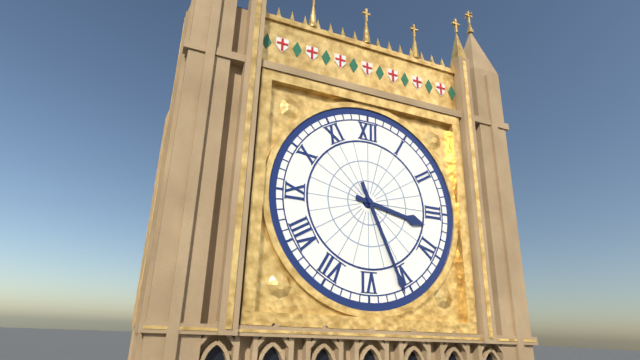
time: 3:26
